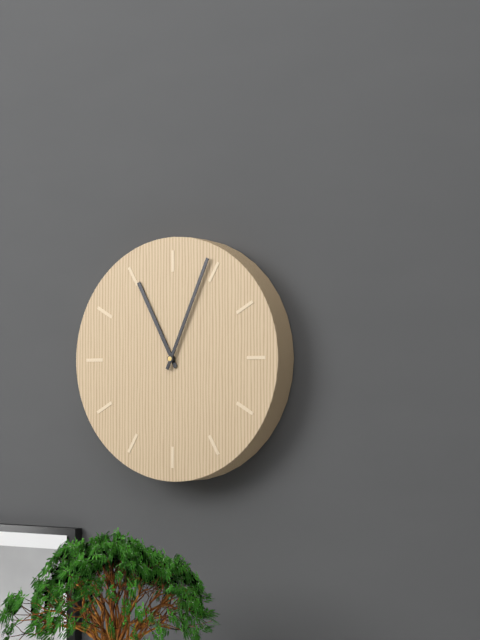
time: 11:04
